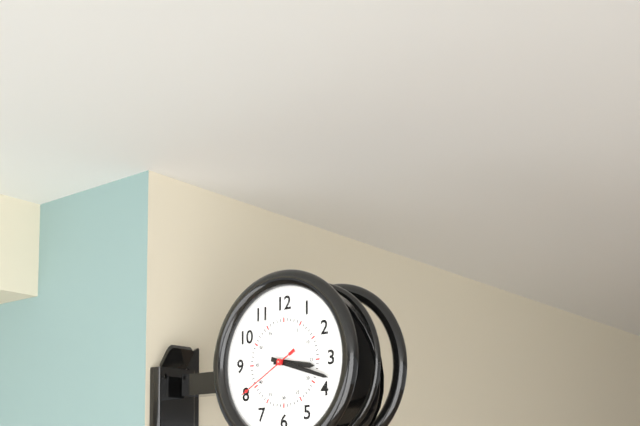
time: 3:18:40
